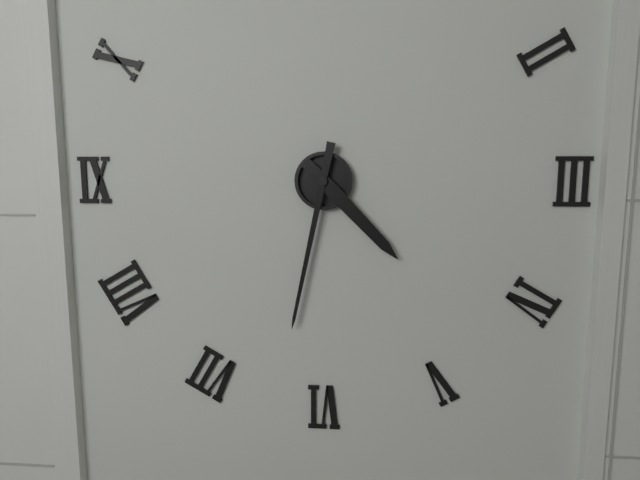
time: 4:32
